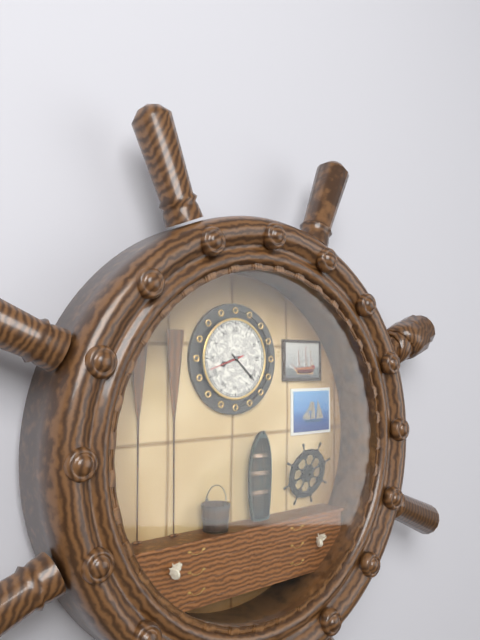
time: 8:22
